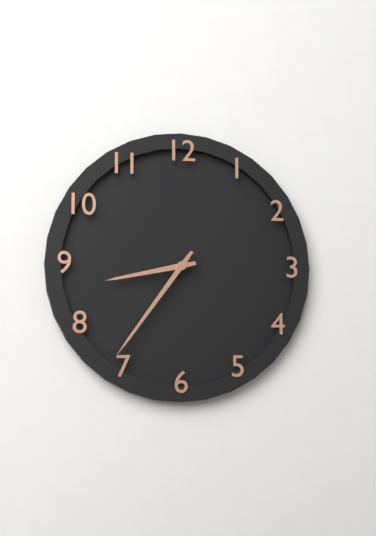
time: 8:36
